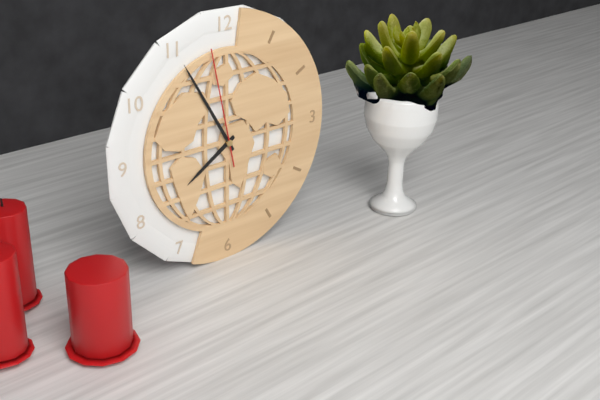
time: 7:55:58
